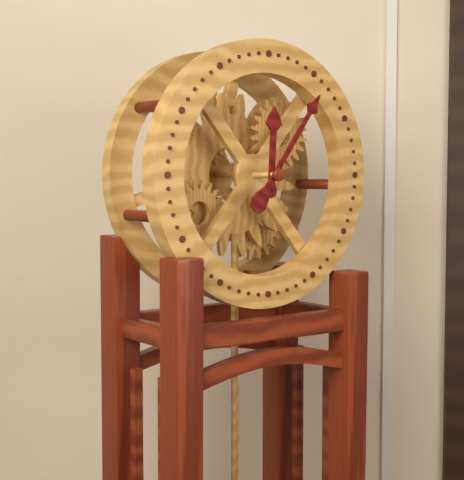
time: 12:06
